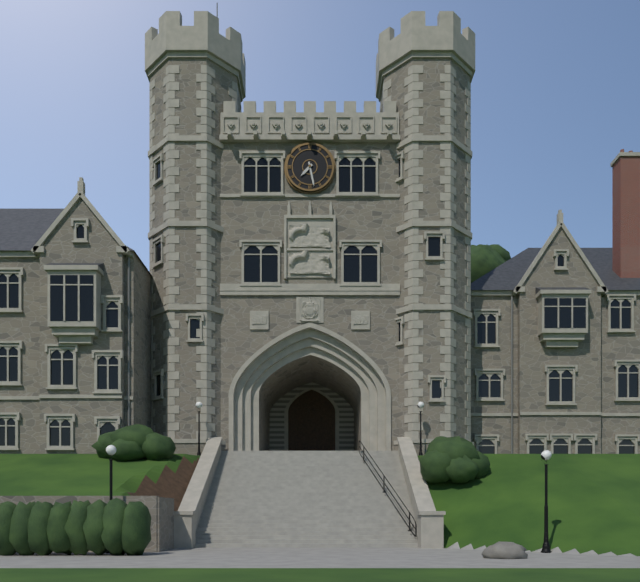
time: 7:28
